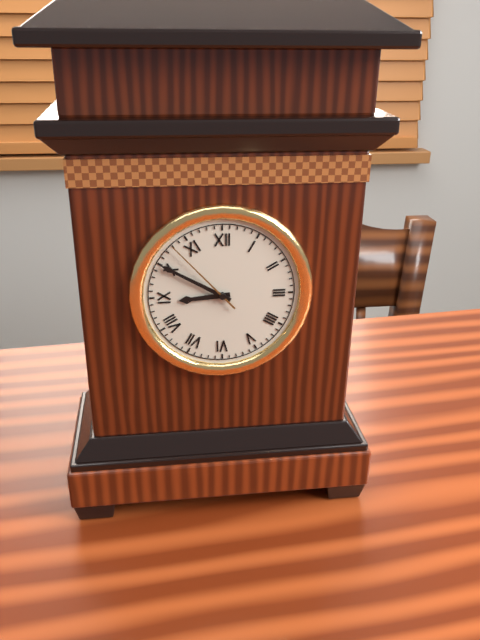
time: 8:50:53
